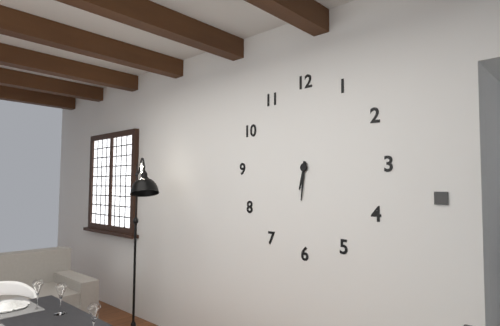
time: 6:31
